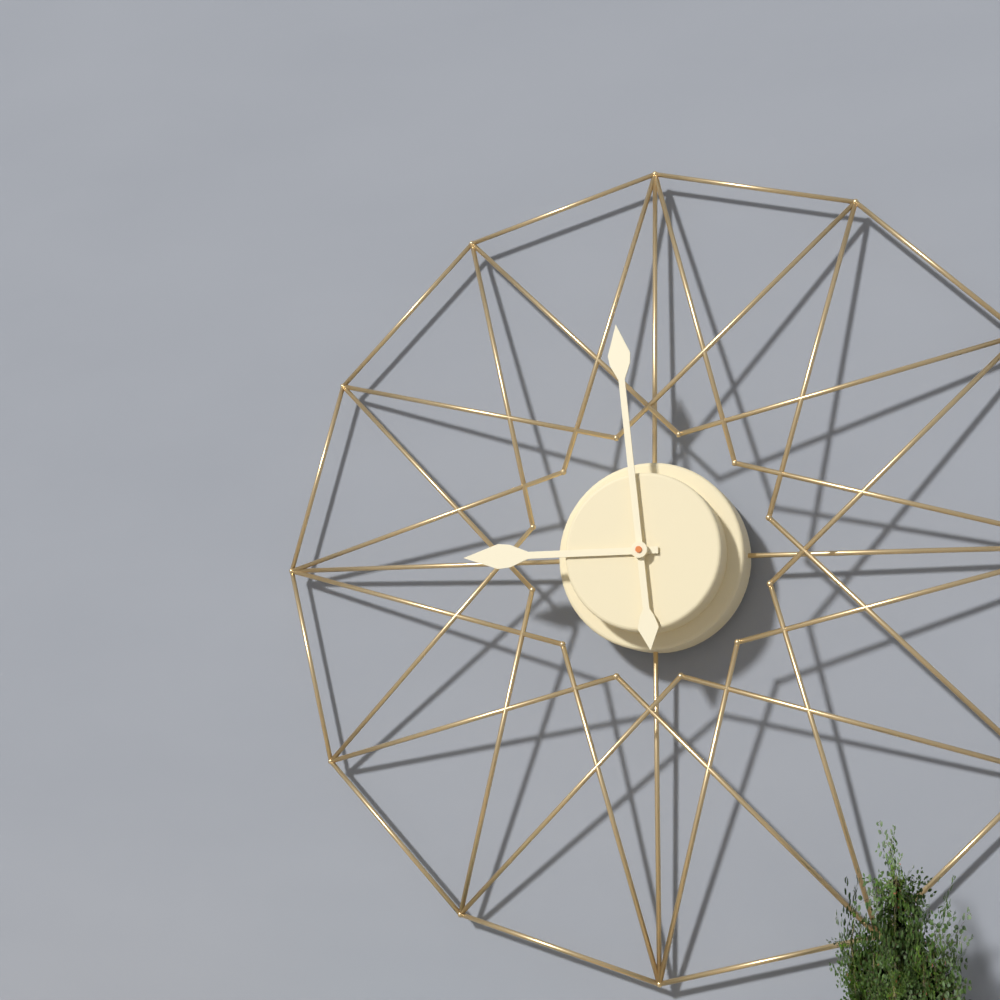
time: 8:59
